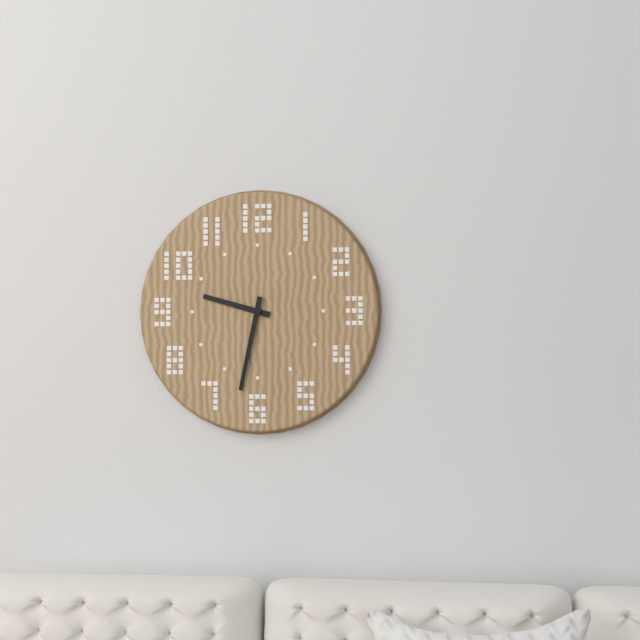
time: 9:32
